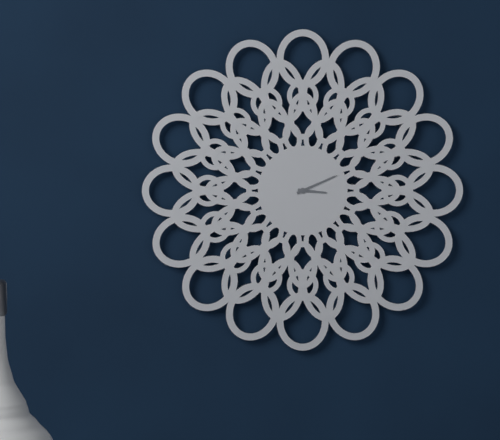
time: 3:11
